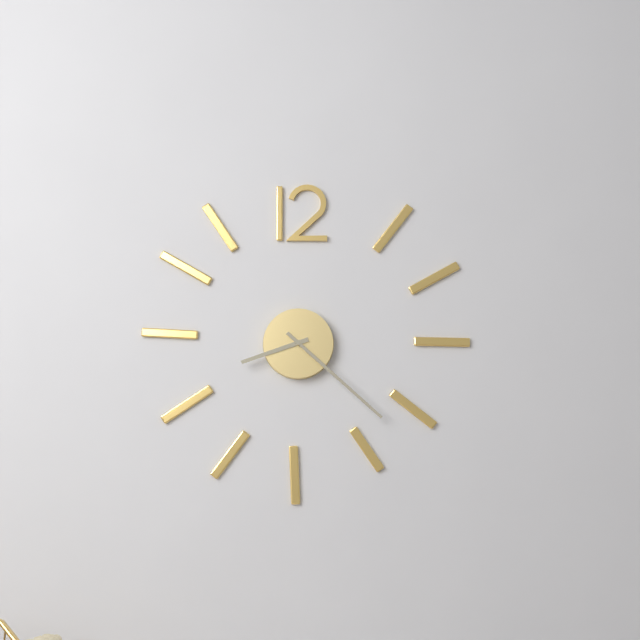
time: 8:22
